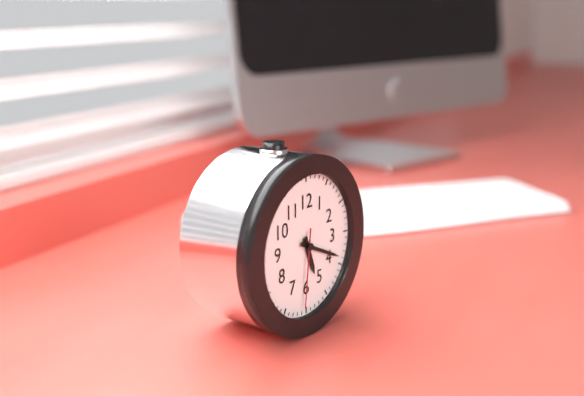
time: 5:19:31
